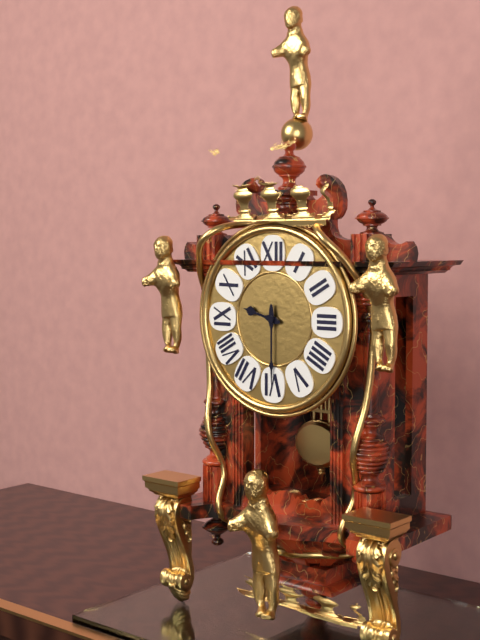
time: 9:30
